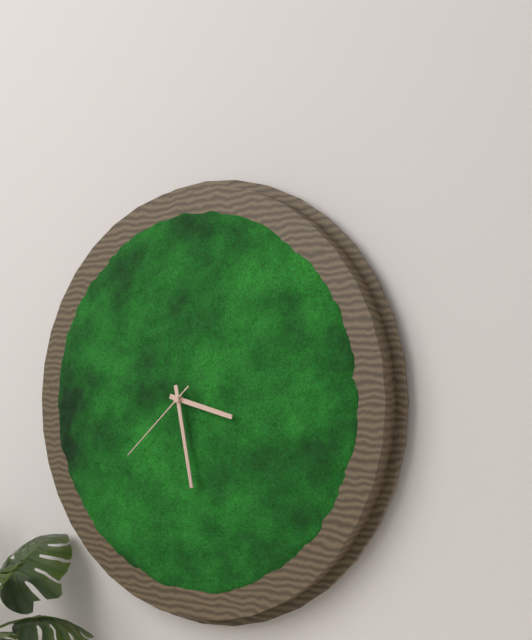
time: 3:28:38
